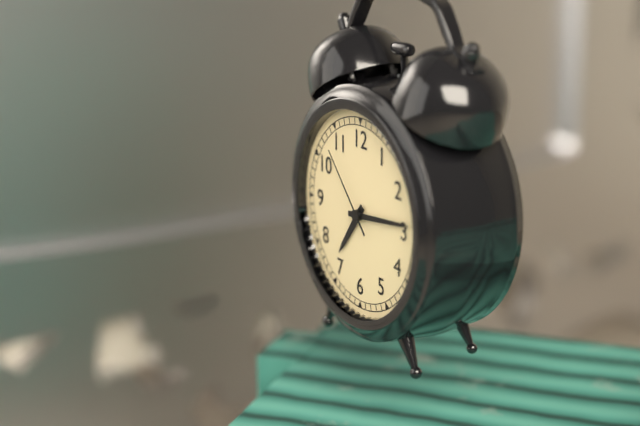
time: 7:14:53
